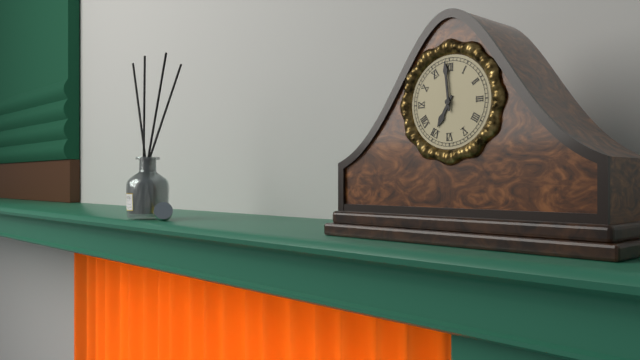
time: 6:59
